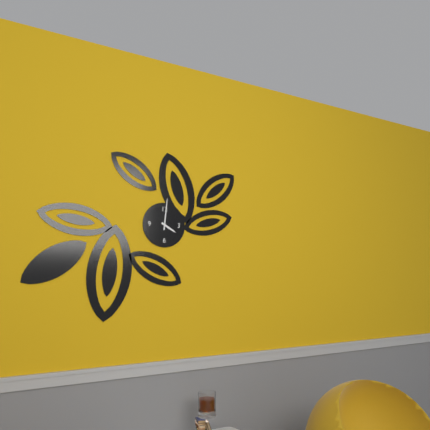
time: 4:01
